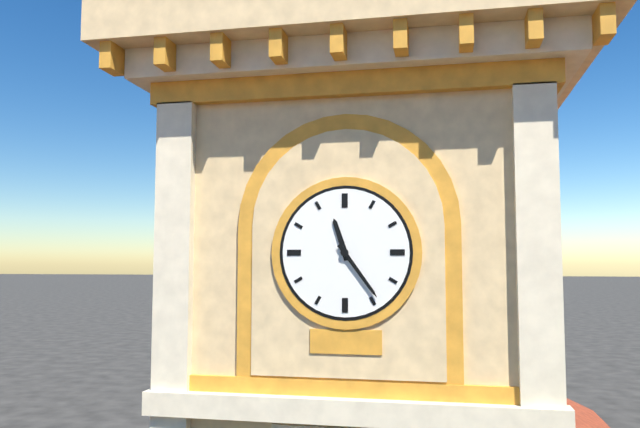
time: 11:24
